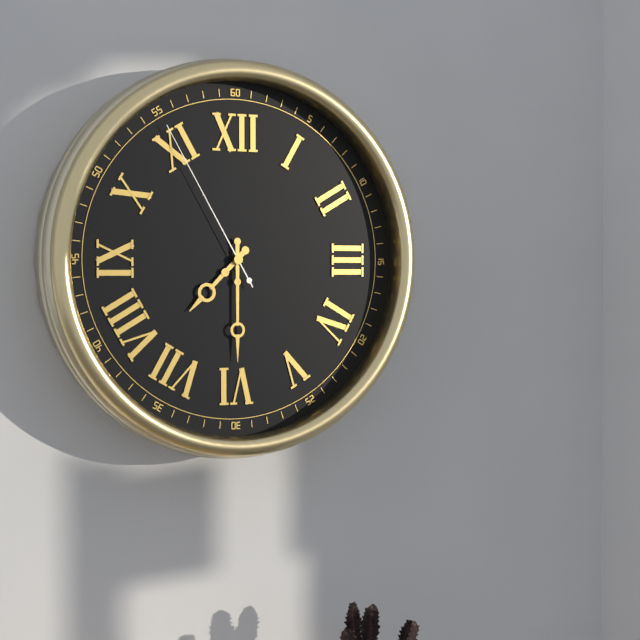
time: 7:30:55
